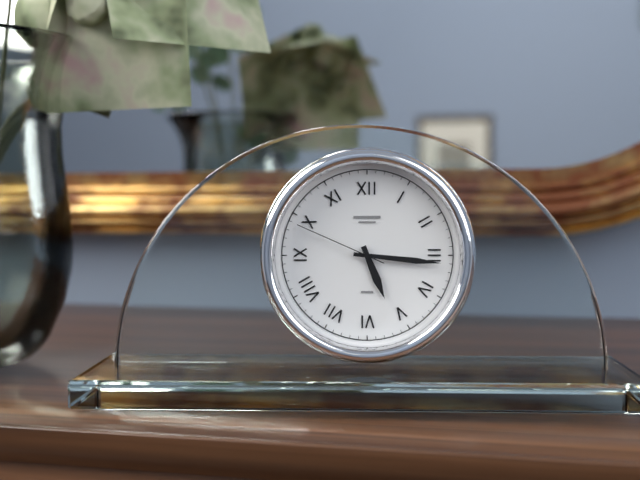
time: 5:16:49
